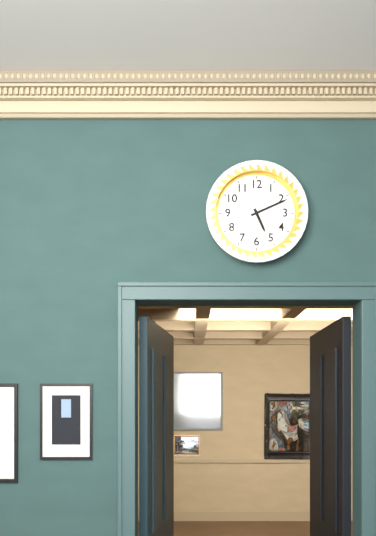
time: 5:11
